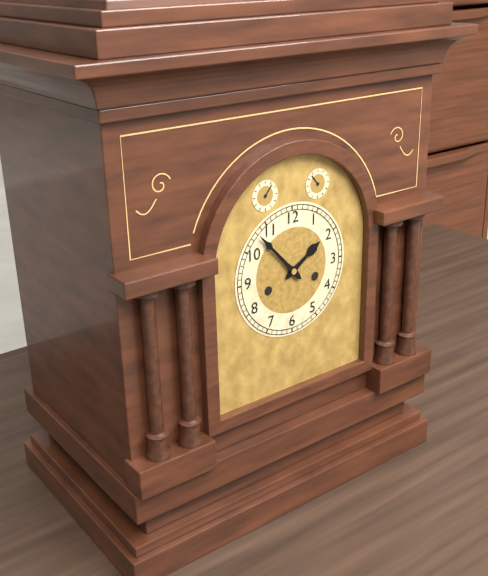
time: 1:53
